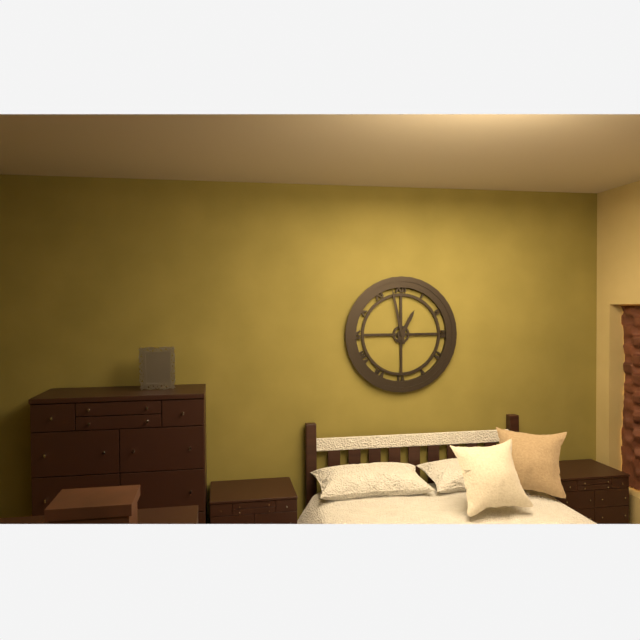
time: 12:58
